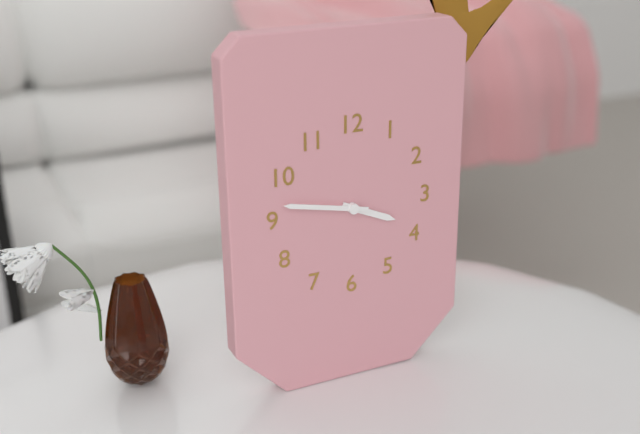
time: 3:47
